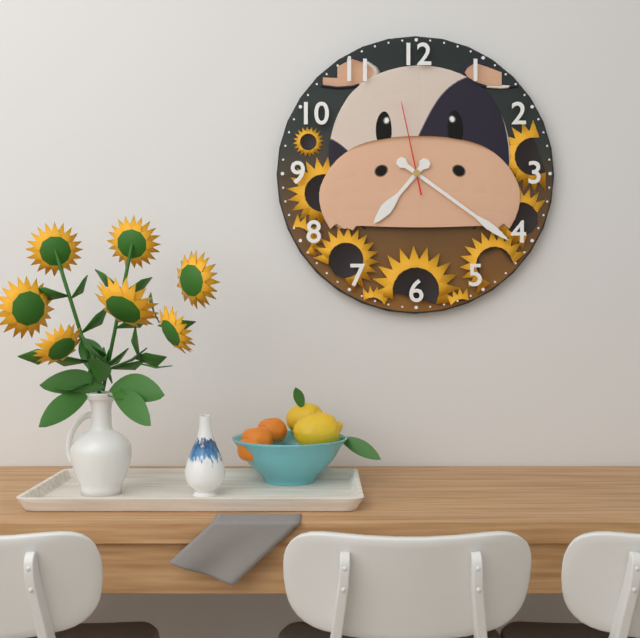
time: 7:21:58
